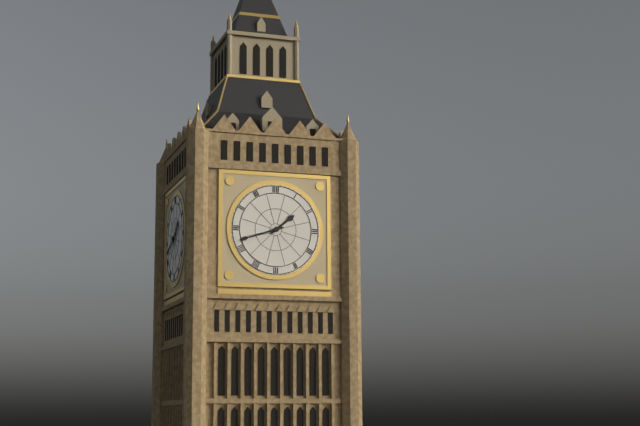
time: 1:42
